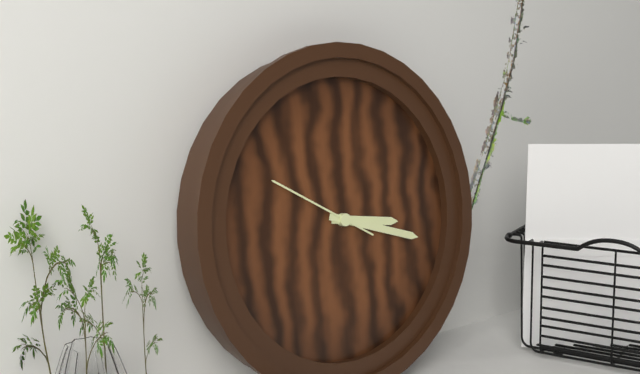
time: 3:18:50
